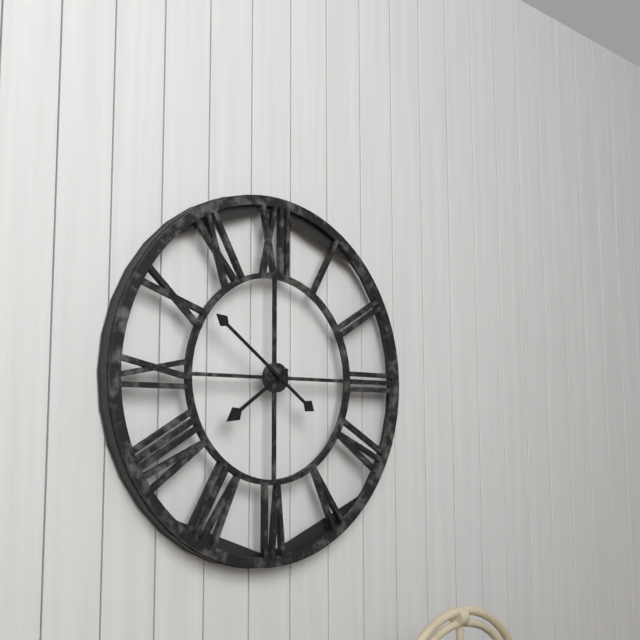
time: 7:51
